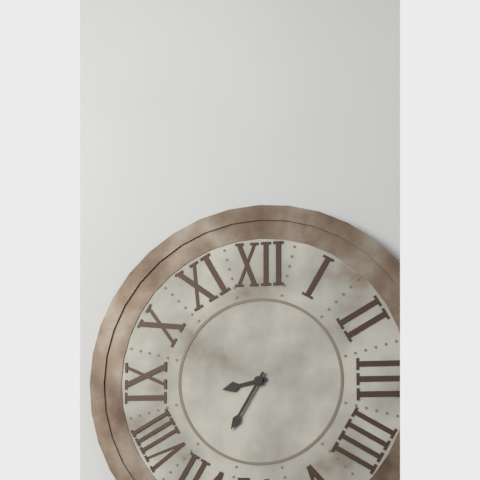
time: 8:35
